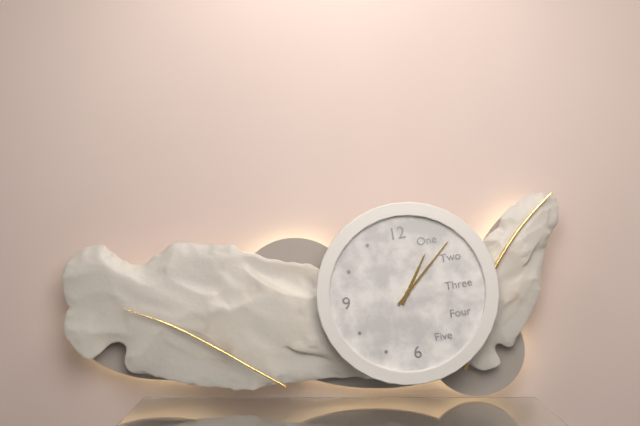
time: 1:08
